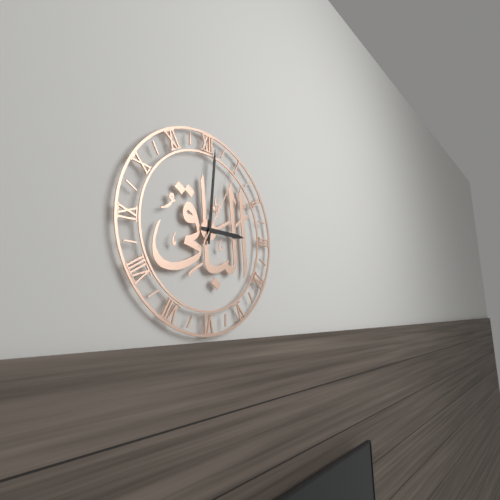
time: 3:01:05
